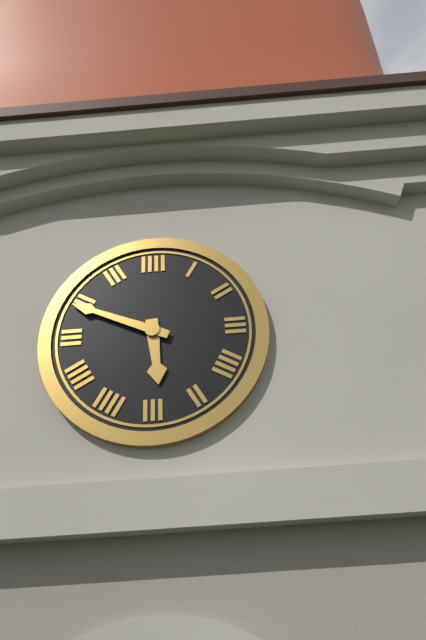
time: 5:49
